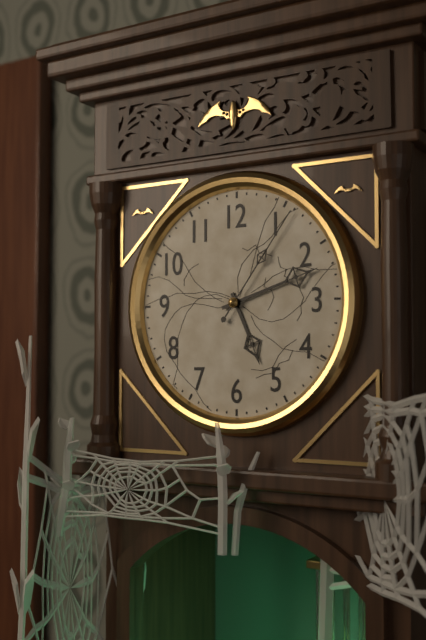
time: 5:12:06
